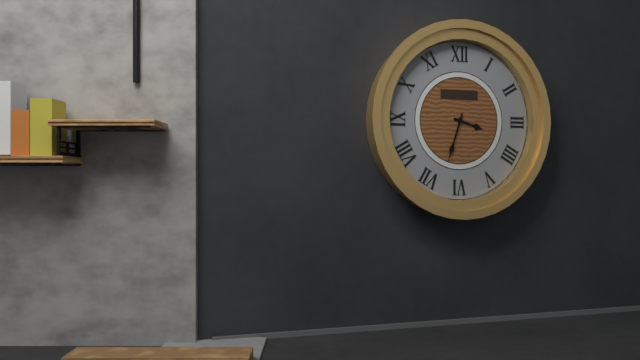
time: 3:33
